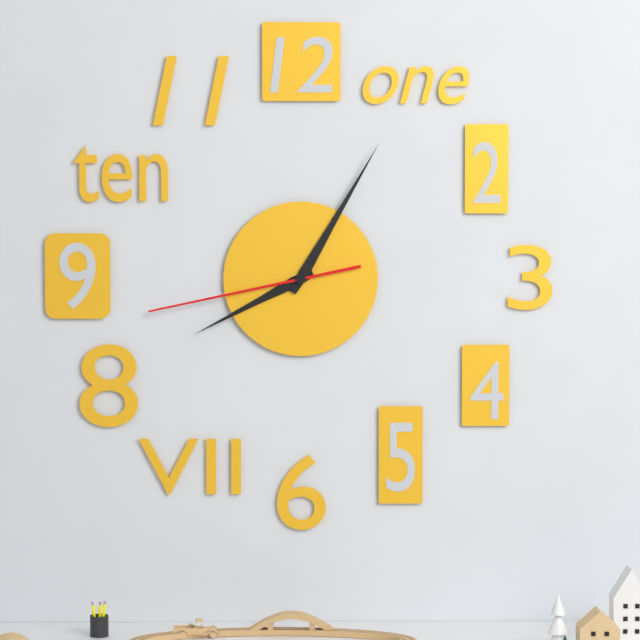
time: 8:05:43
